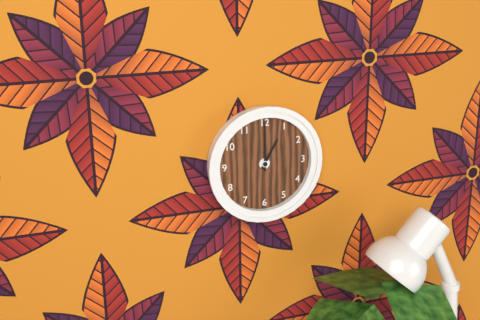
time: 1:00
